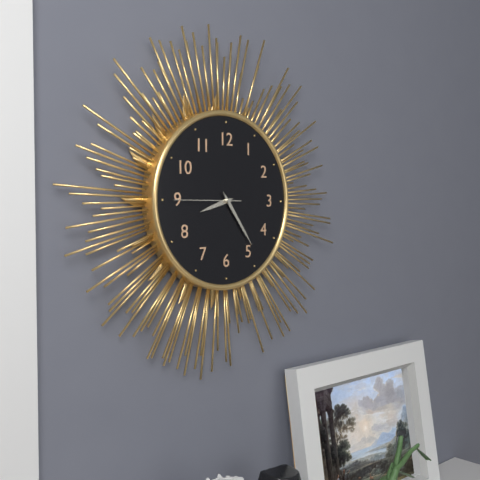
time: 8:24
